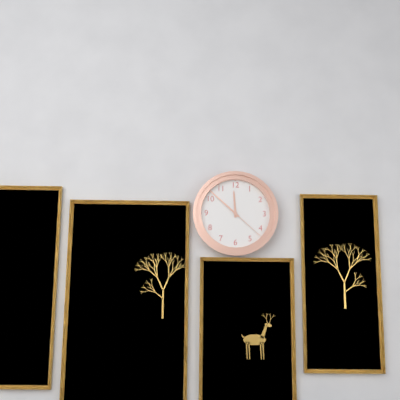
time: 11:52
